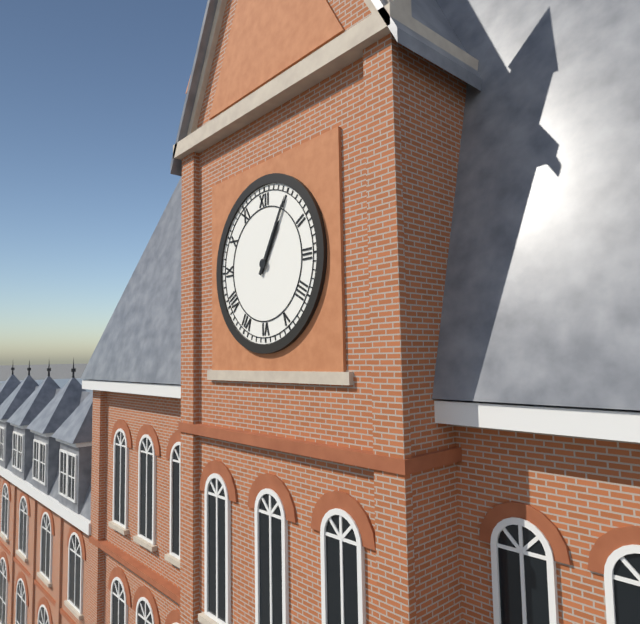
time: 1:05
